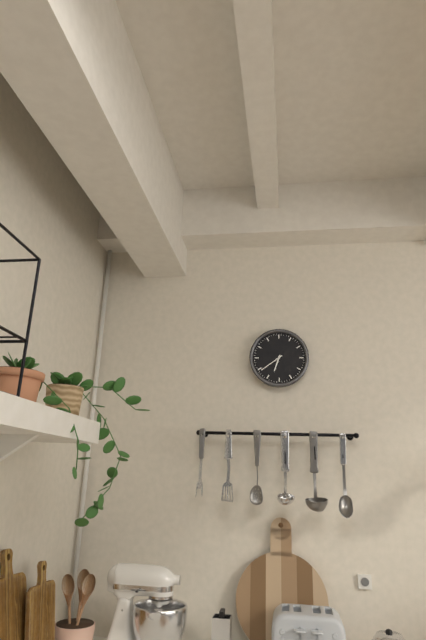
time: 6:39
